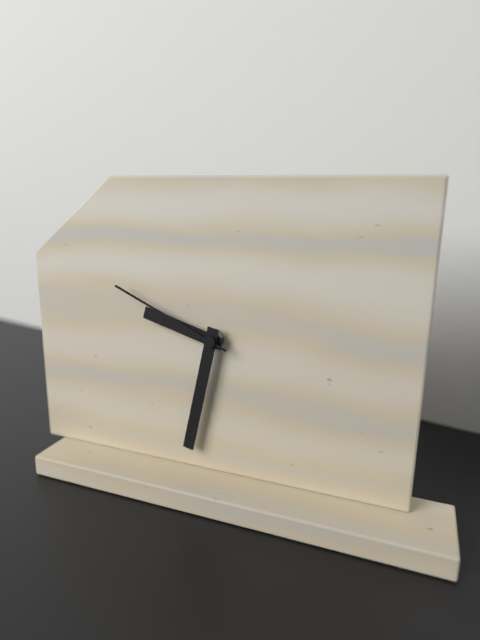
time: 9:32:49
